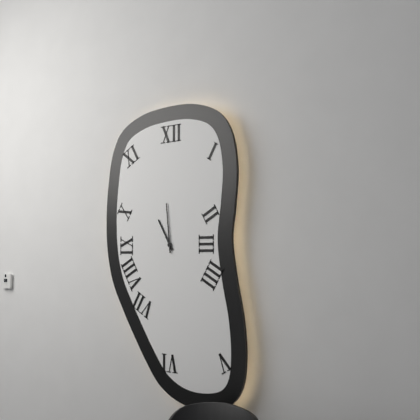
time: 10:59
